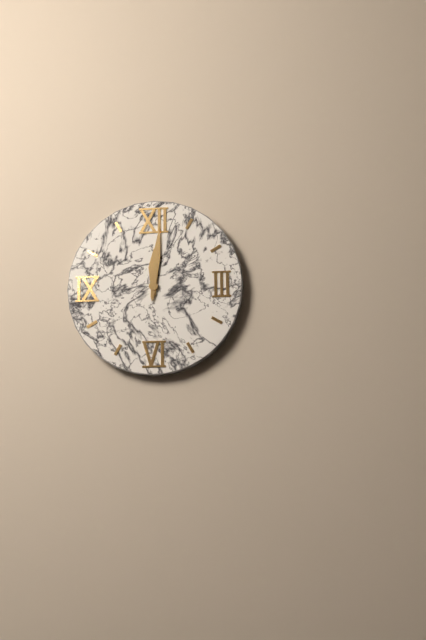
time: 12:01
